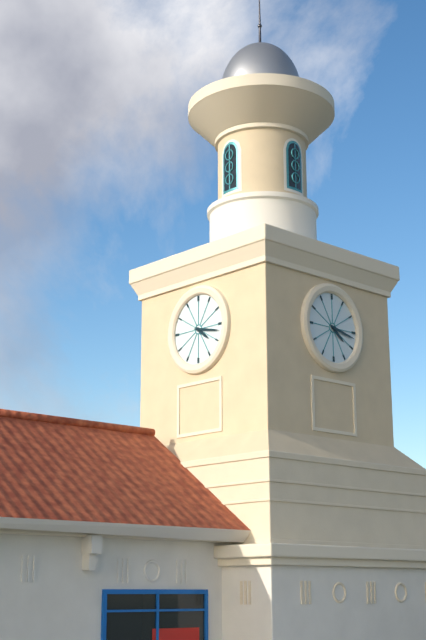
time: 4:17
